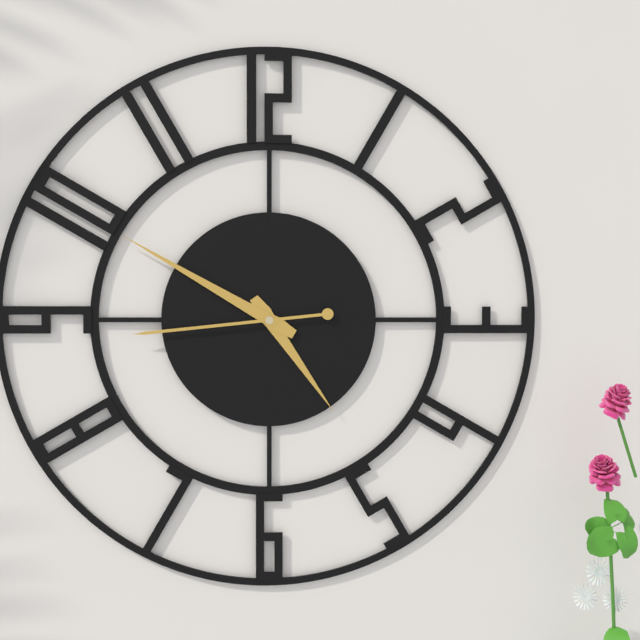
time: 4:50:44
